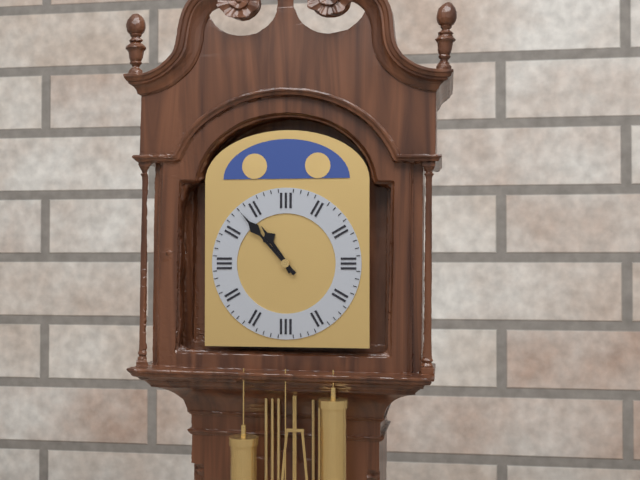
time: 10:53
